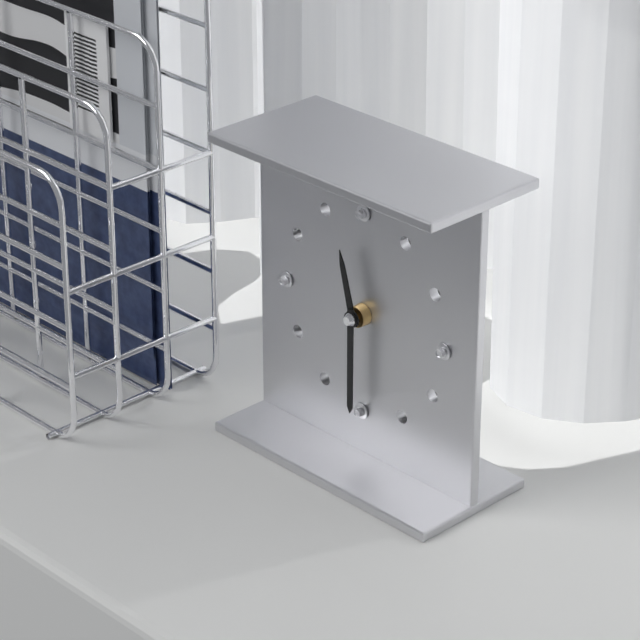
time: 11:30
